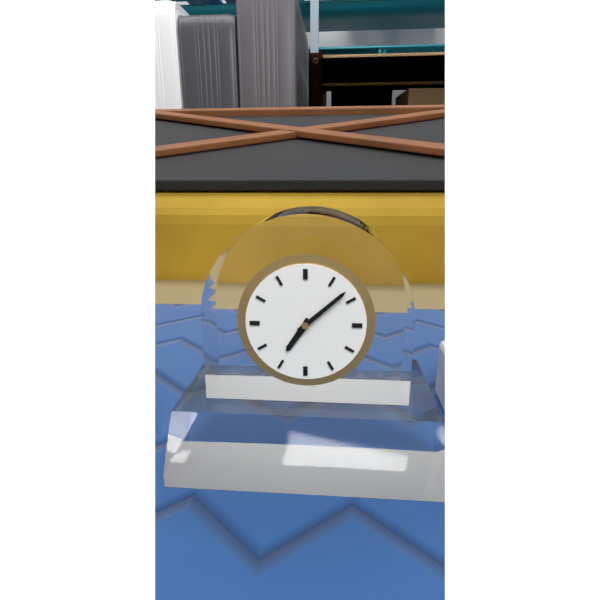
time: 7:08
